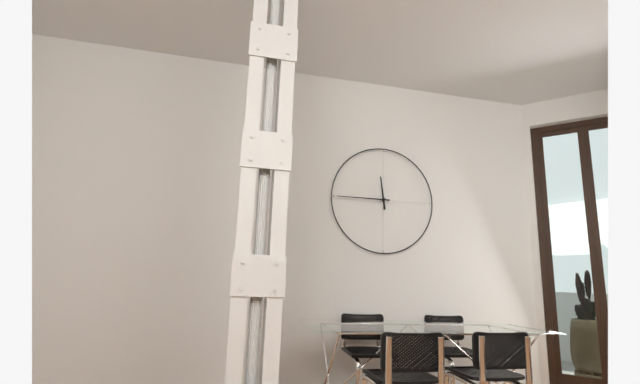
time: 11:45
